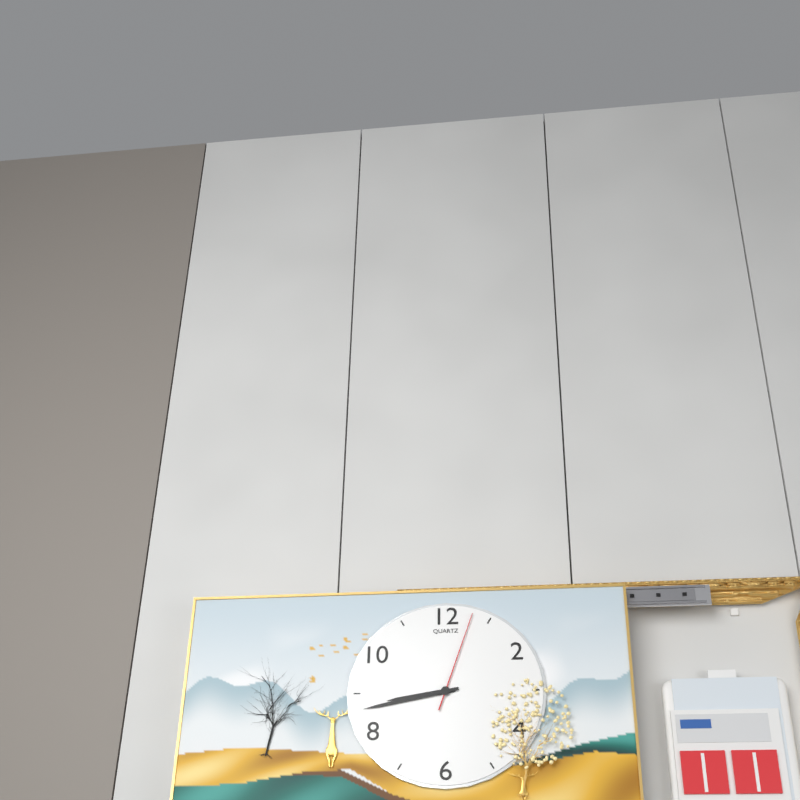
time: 8:43:03
